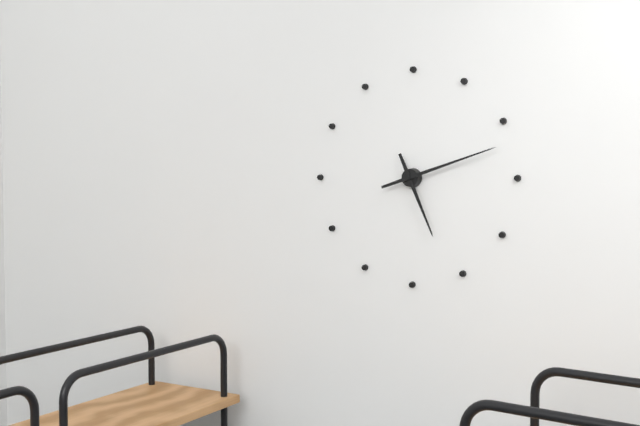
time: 5:12
